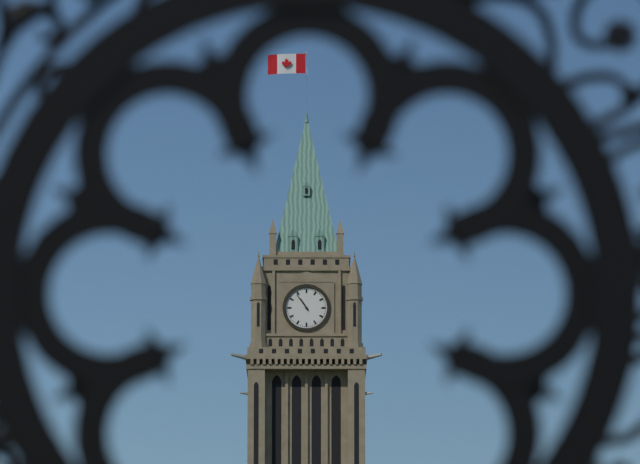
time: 10:54
